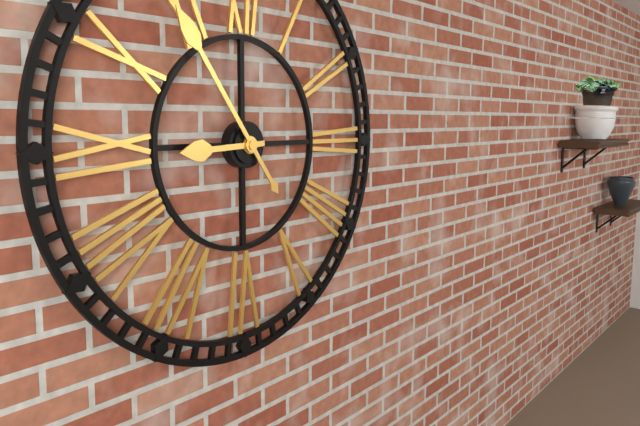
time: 8:54
